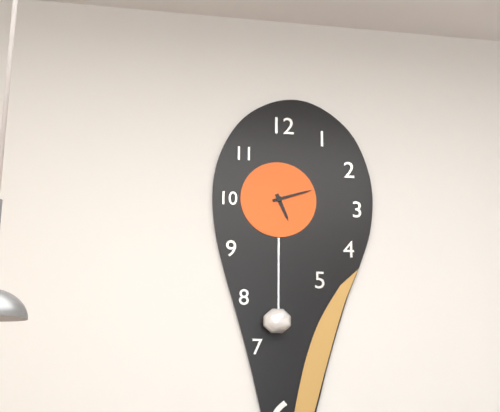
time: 5:12
